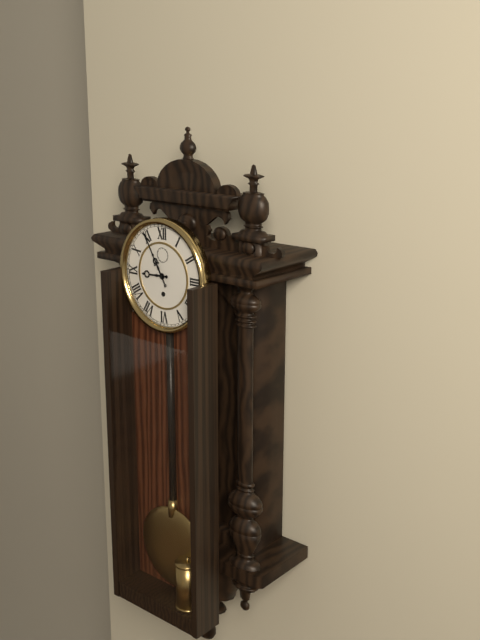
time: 8:55
